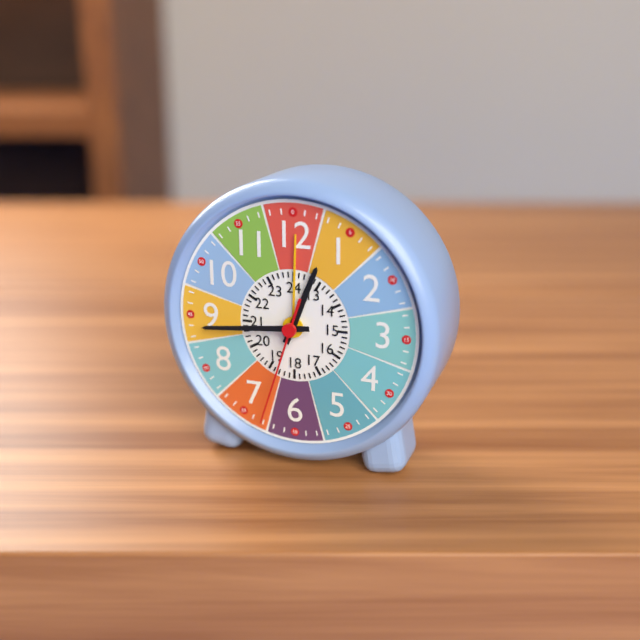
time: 12:44:33
